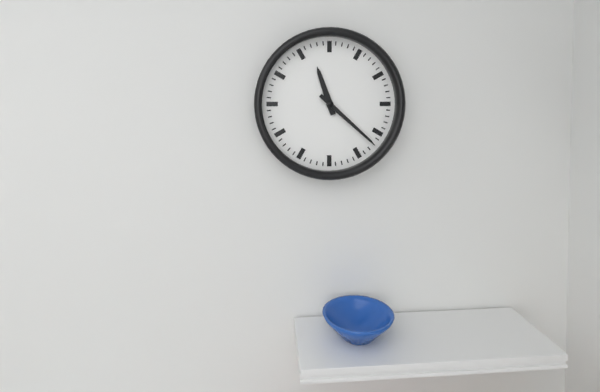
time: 11:22
